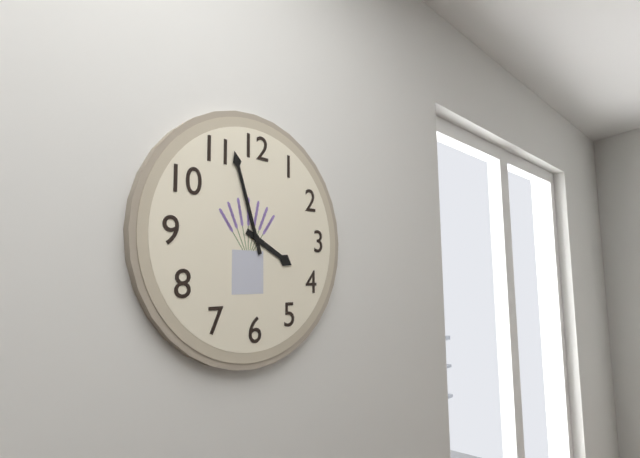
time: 3:57
